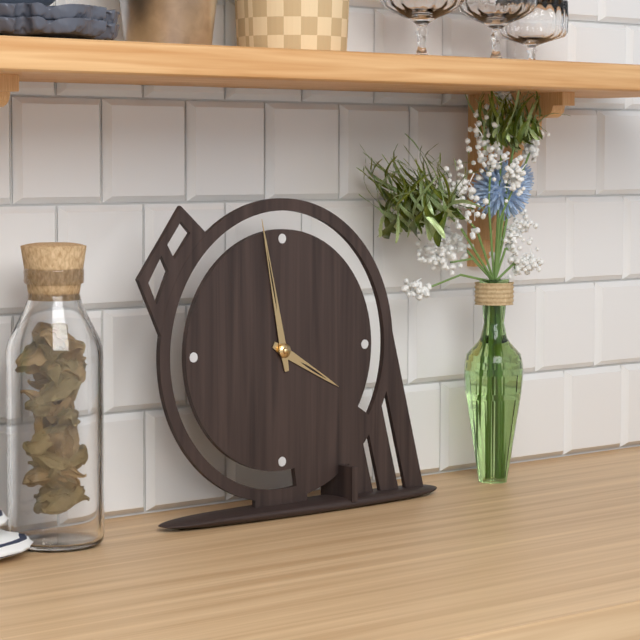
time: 3:58
